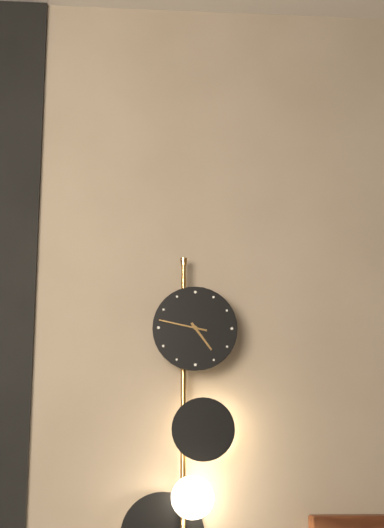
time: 4:47
